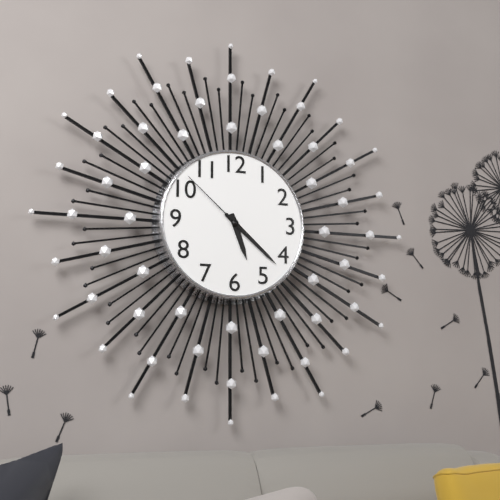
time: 5:22:52
